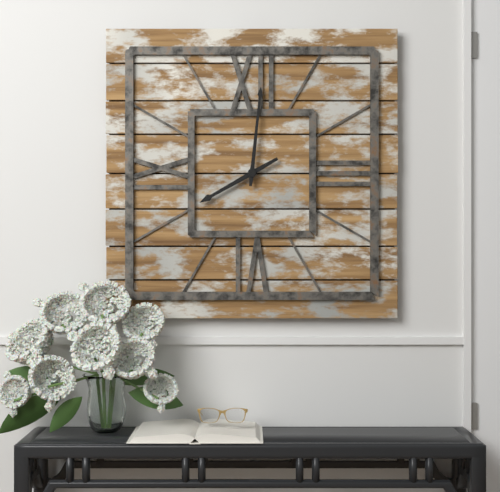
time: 8:01
